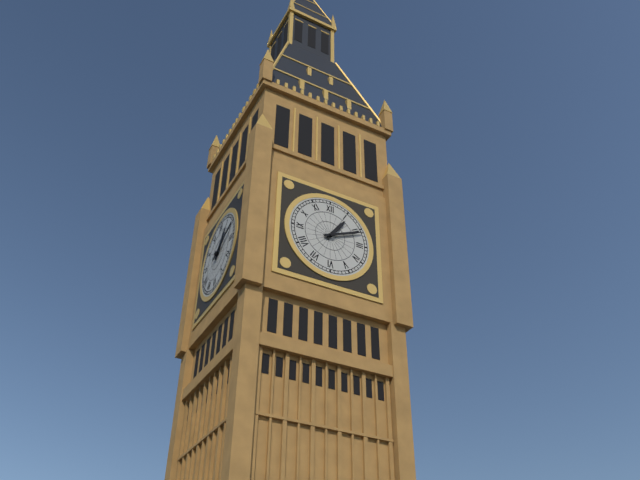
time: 1:11
